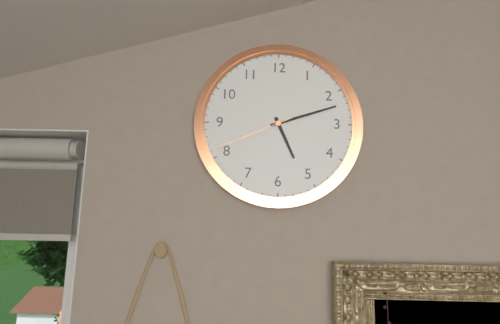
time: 5:12:41
